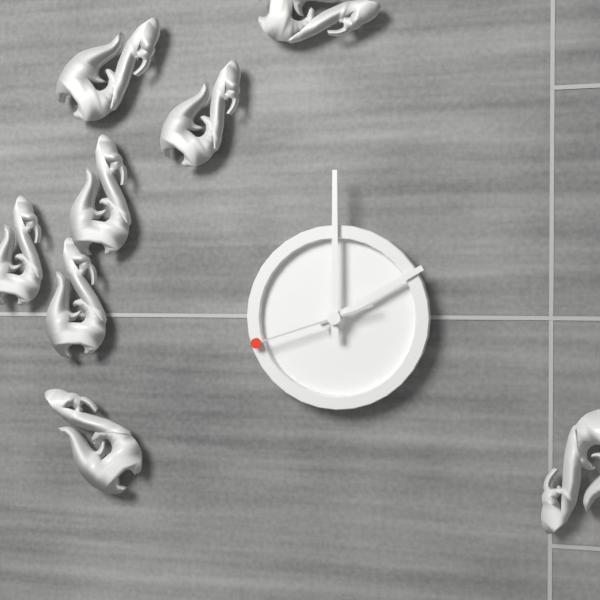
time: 2:00:42
